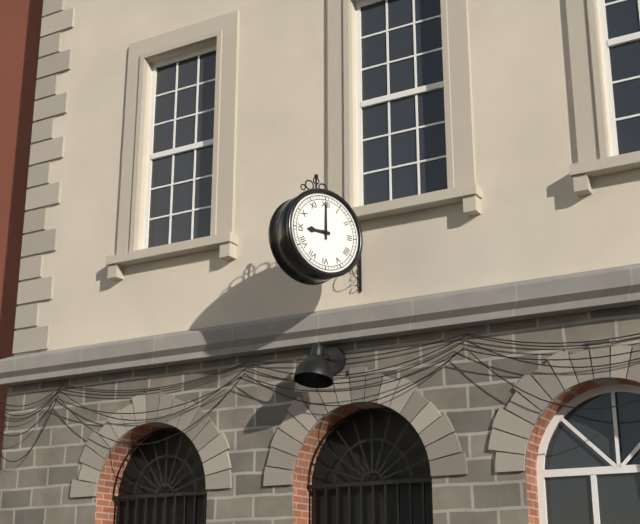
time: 9:00
